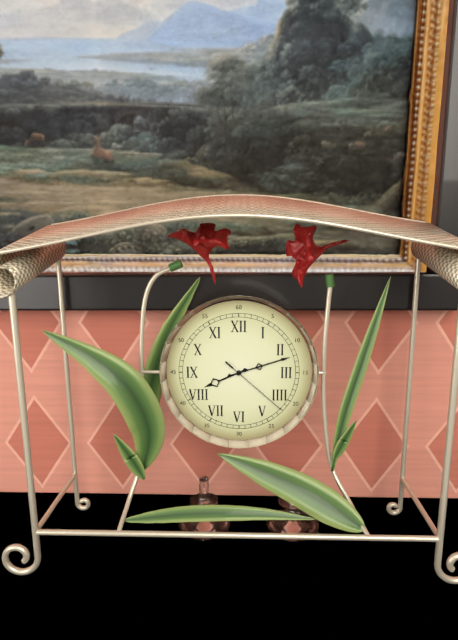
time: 8:12:22
